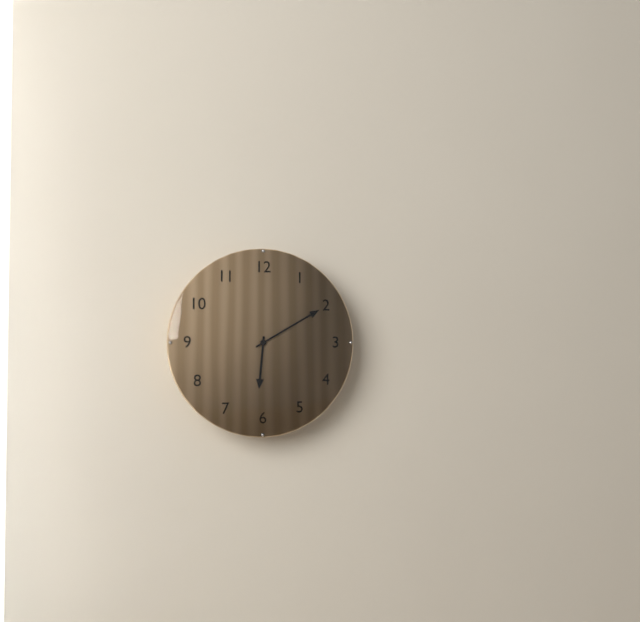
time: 6:10
